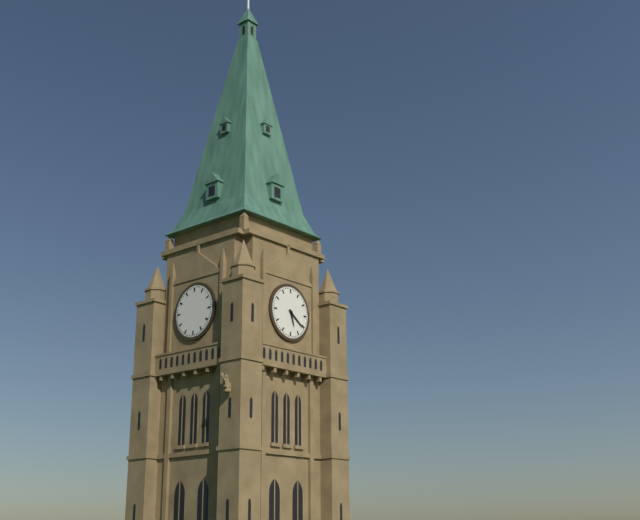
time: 5:21
